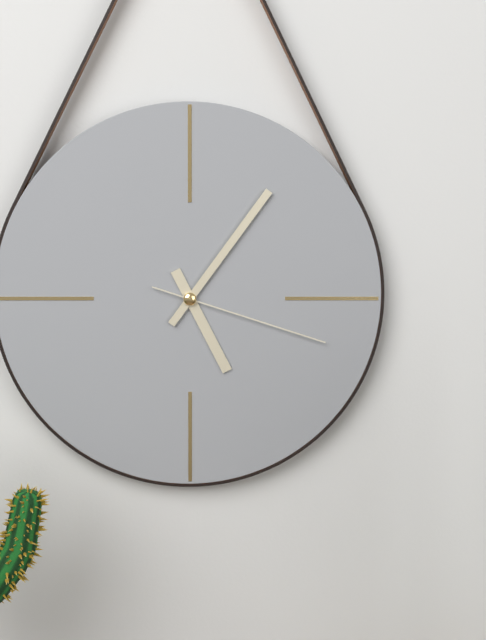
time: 5:06:18
